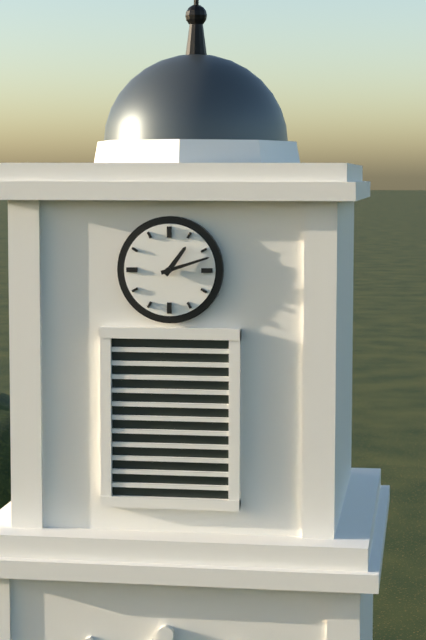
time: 1:12
